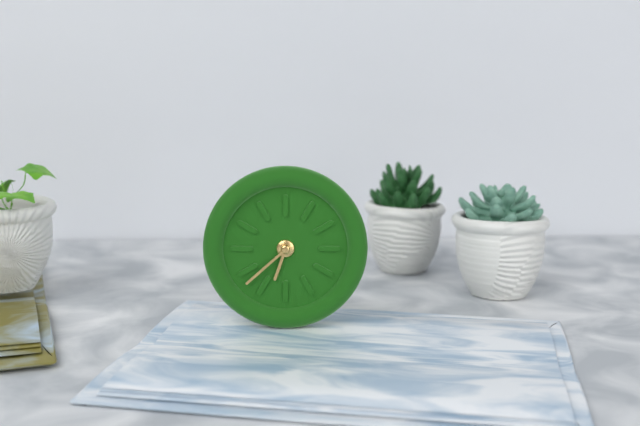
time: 6:38
